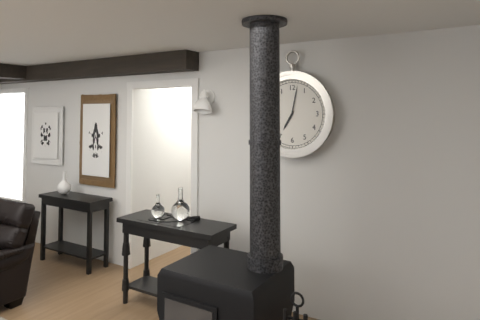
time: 7:02
